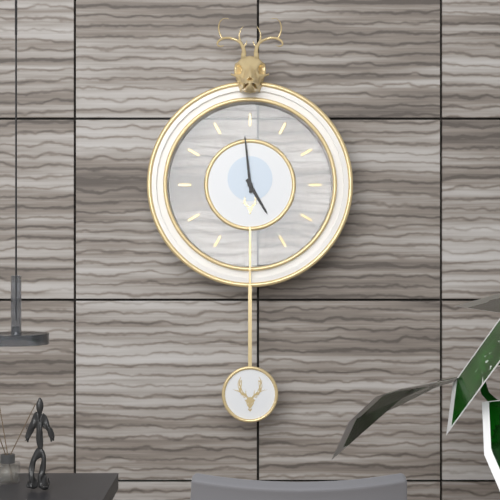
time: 4:59
